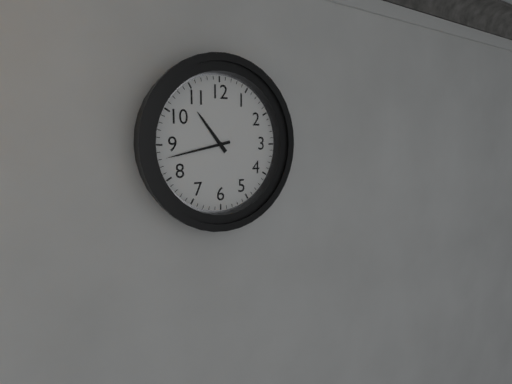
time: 10:43
